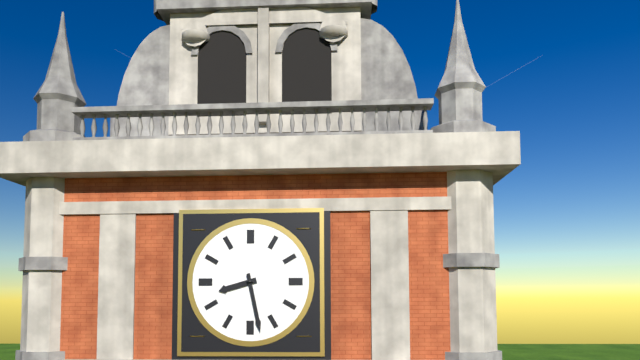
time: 8:28
